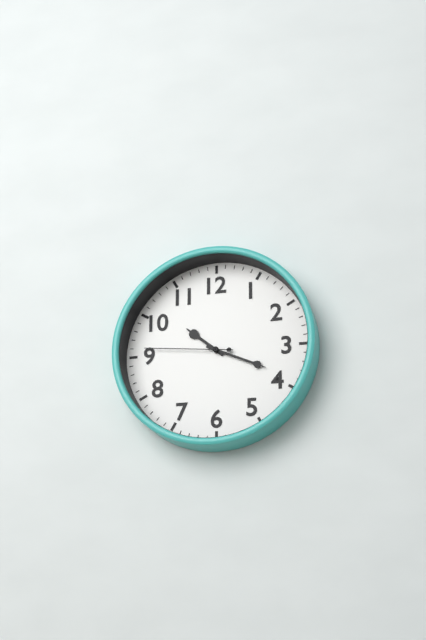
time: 10:19:46
